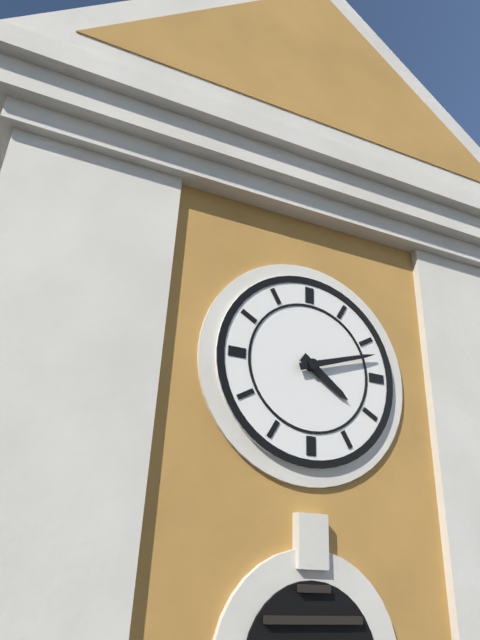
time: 4:12
